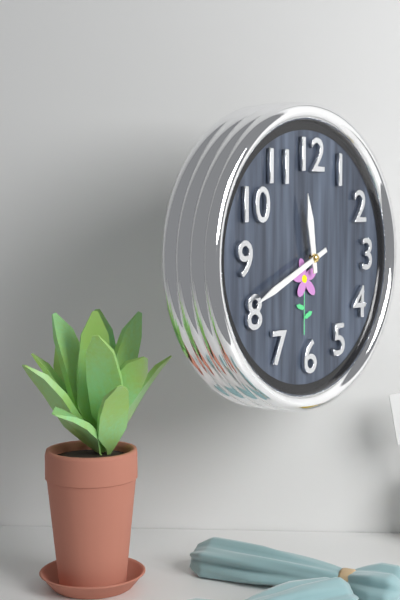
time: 11:41
